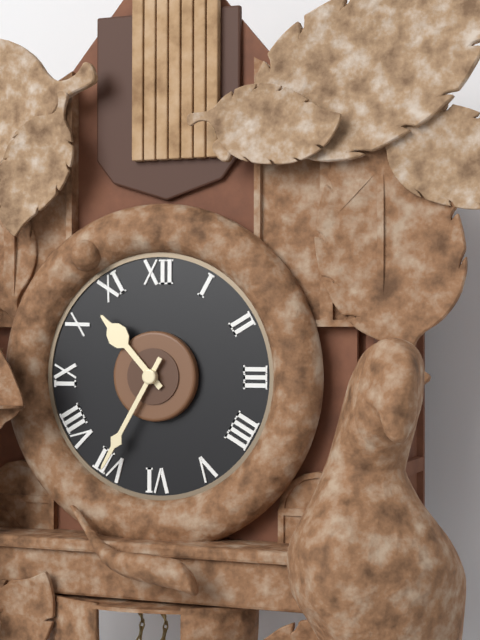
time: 10:35
